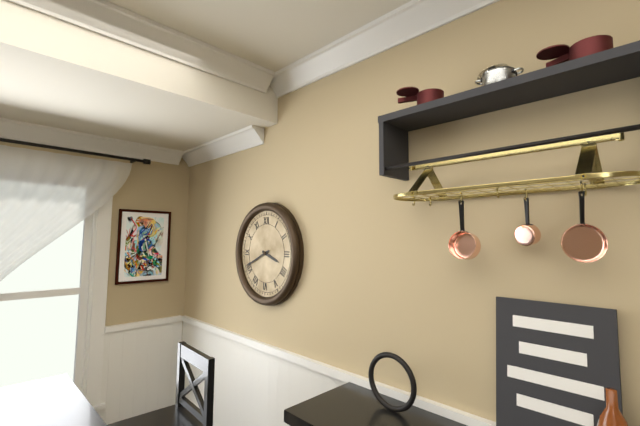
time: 3:41
